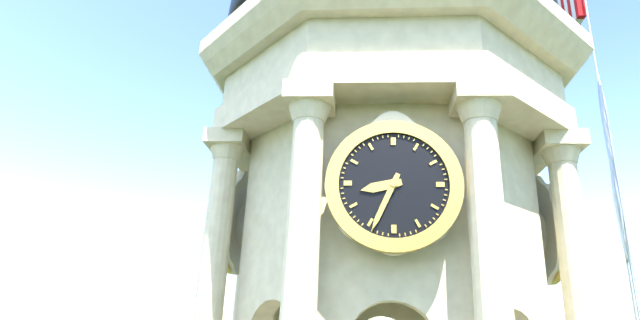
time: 8:34
